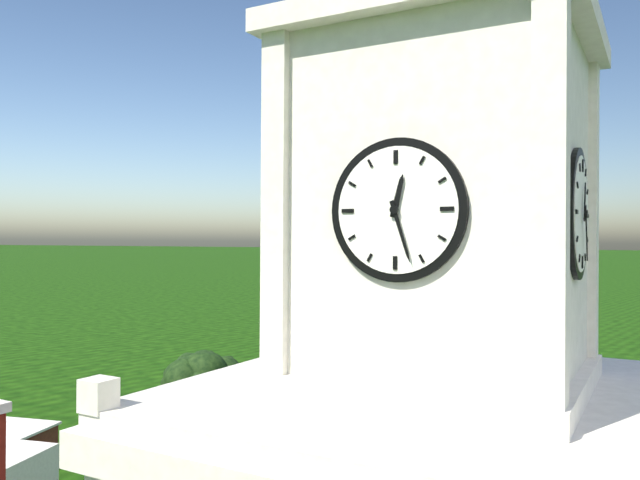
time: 12:27
